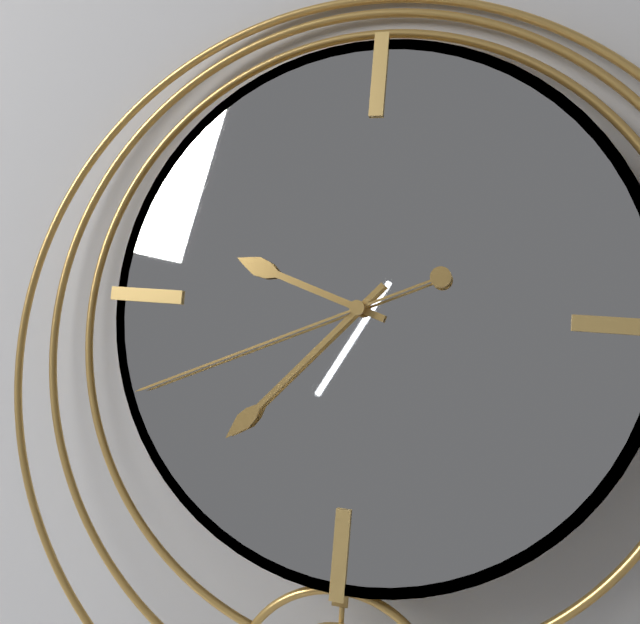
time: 9:37:41
